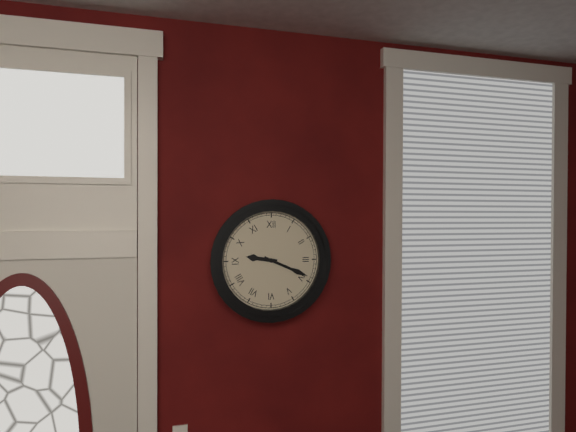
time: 9:19
